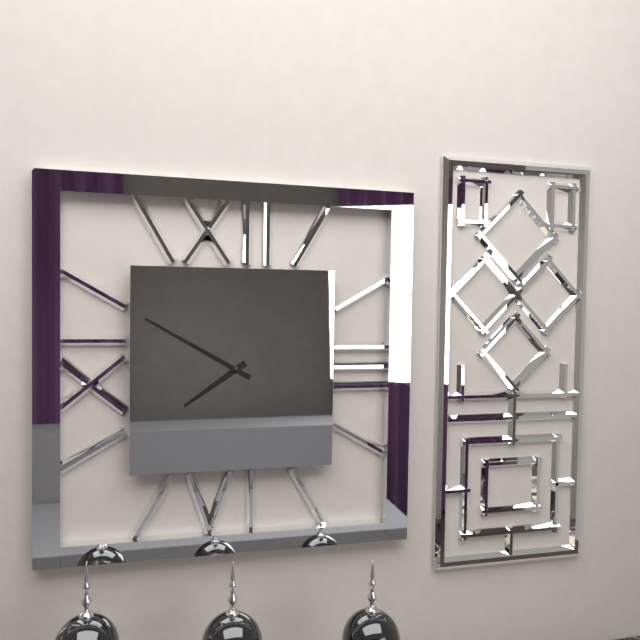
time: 7:50
